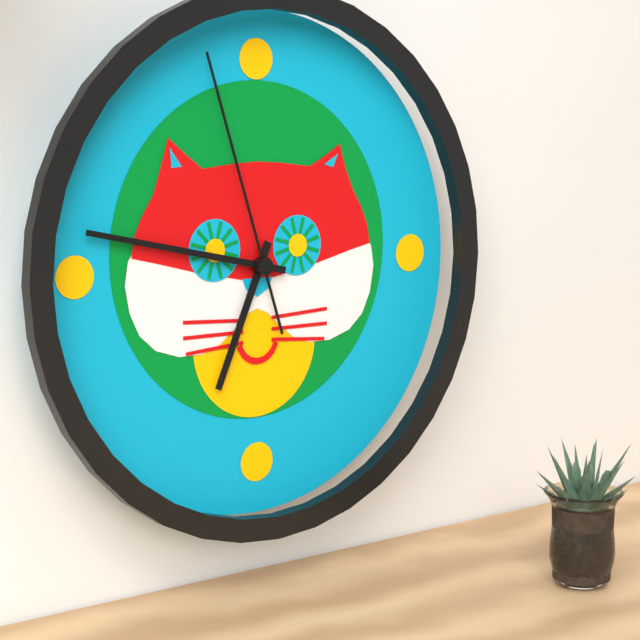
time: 6:47:57
